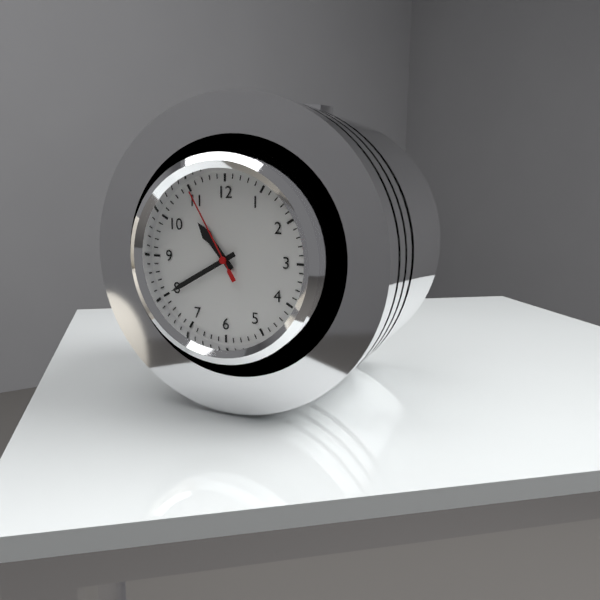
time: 10:40:55
